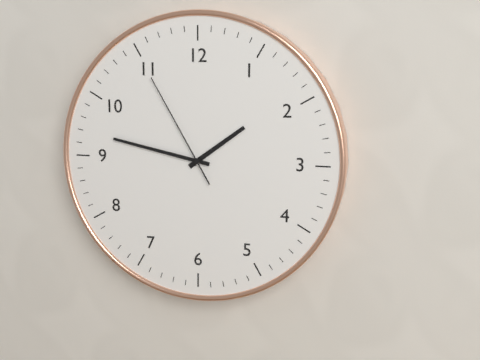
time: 1:47:55
